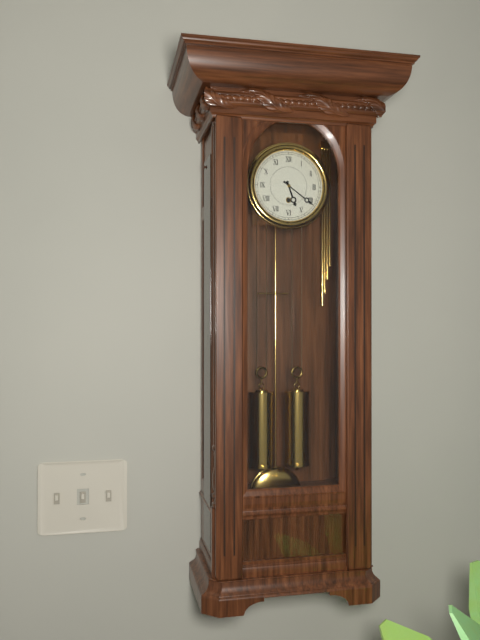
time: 5:21
